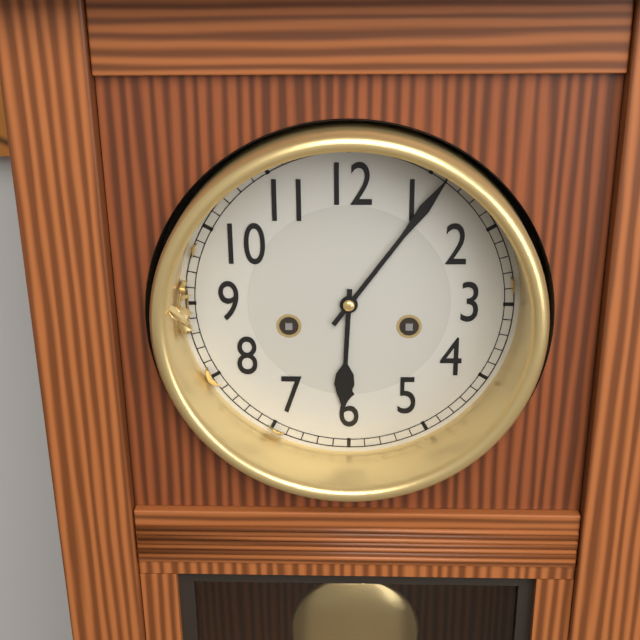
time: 6:06
